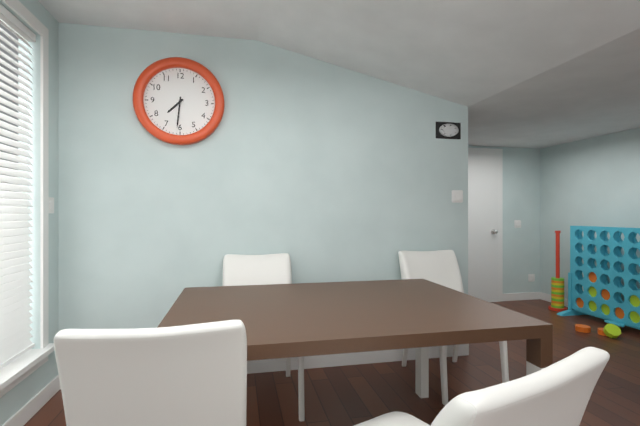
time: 7:31
